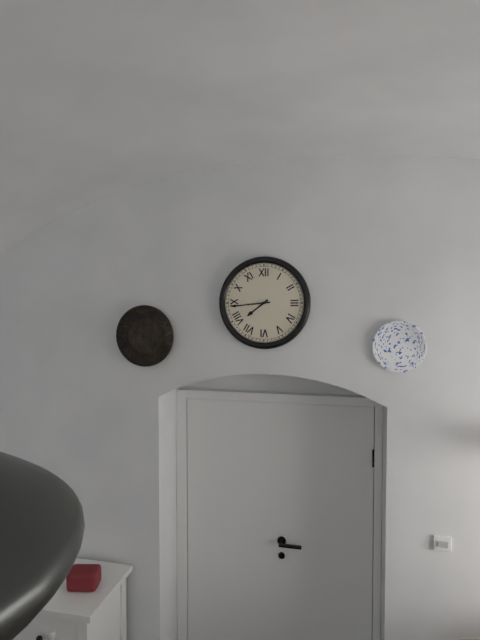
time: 7:44
